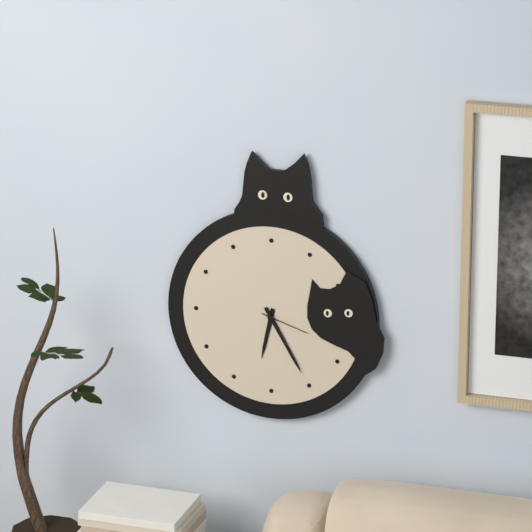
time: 6:25:18
